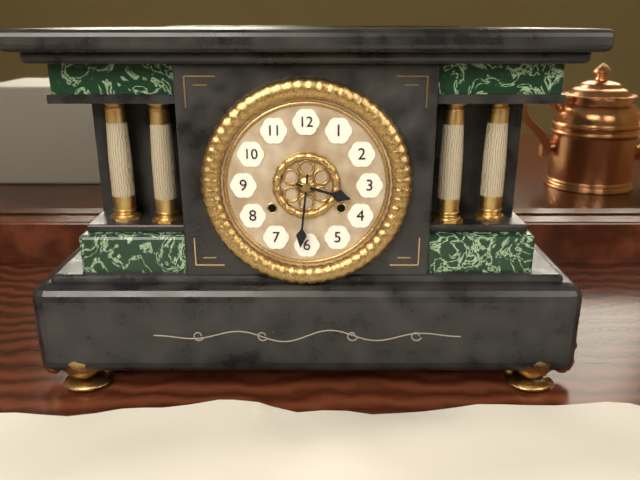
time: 3:31
